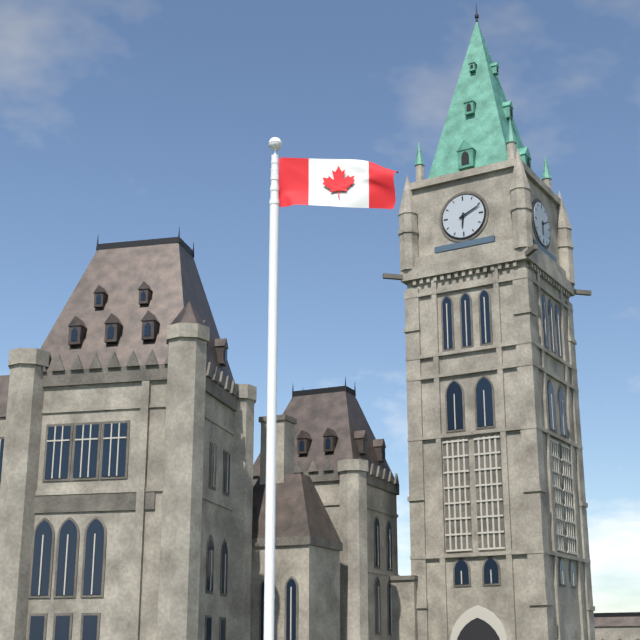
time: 6:11
